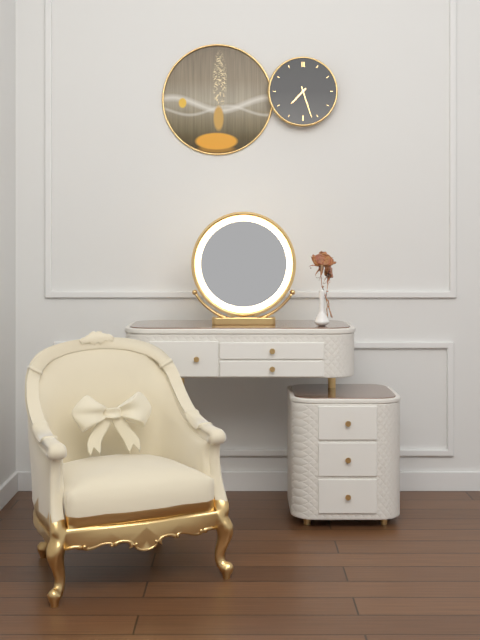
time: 7:27
